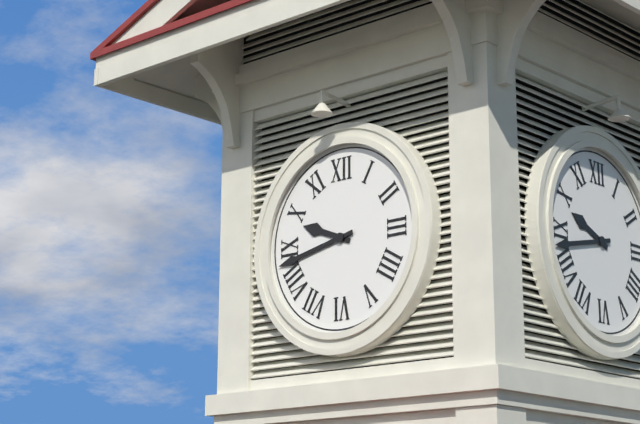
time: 9:43
